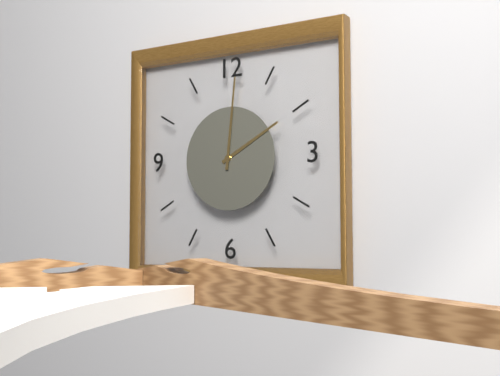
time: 2:01
